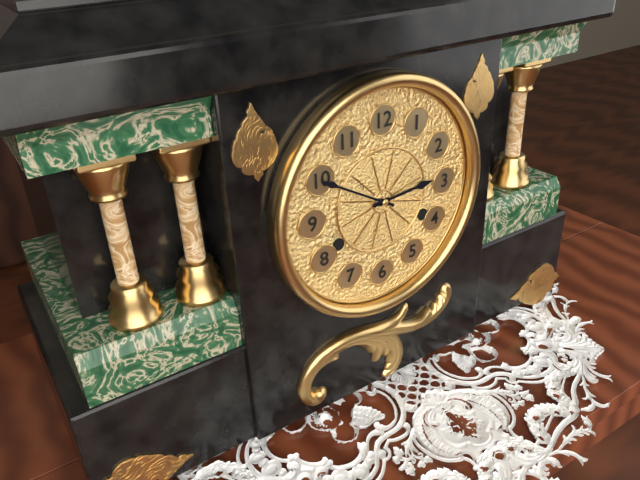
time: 2:50
